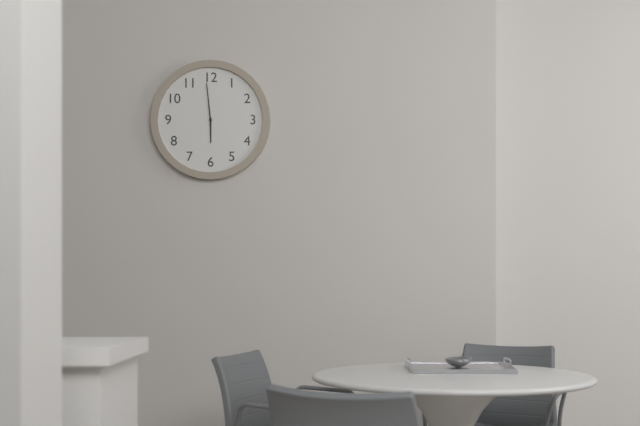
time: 5:59
